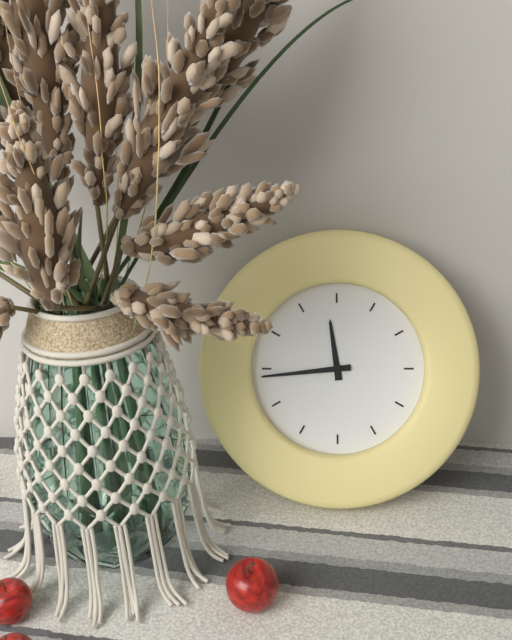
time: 11:44
